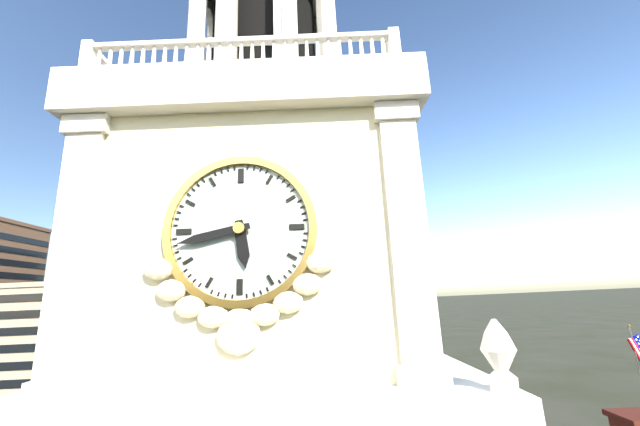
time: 5:43
